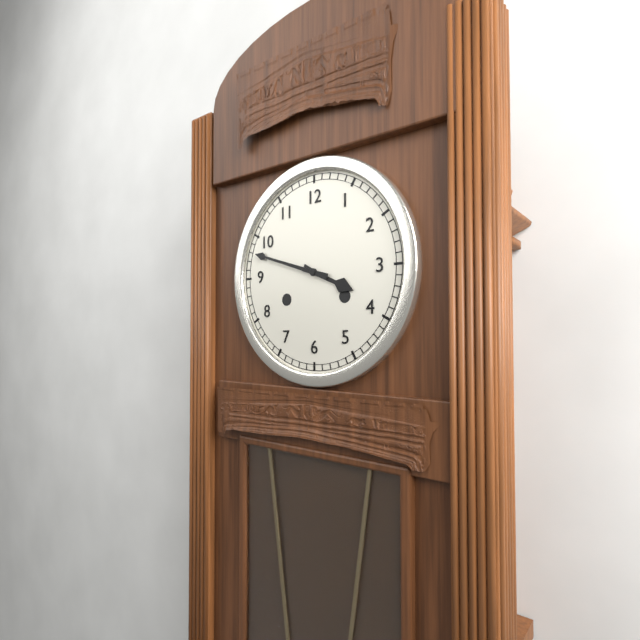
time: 3:48
